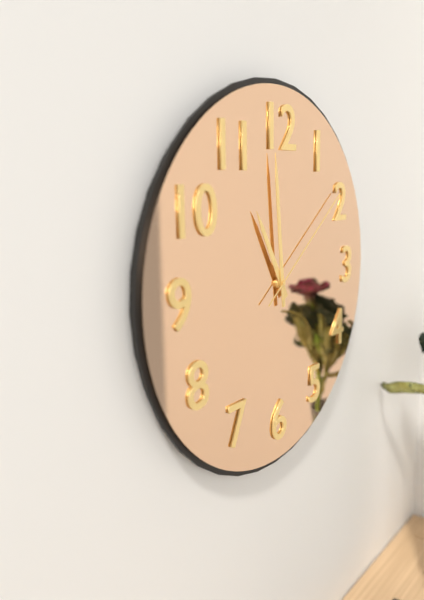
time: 10:59:09
